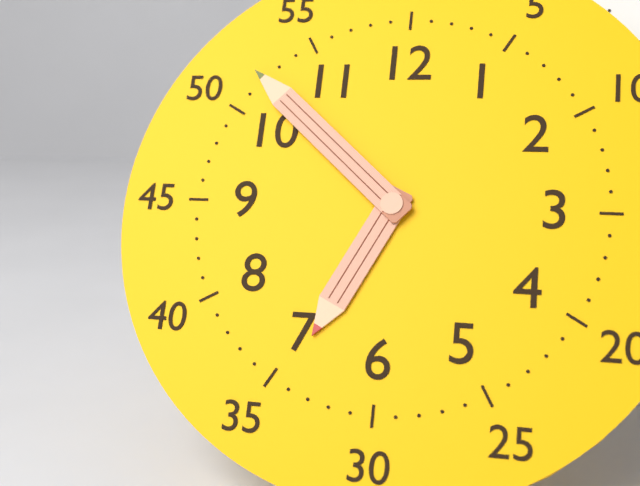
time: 6:52
